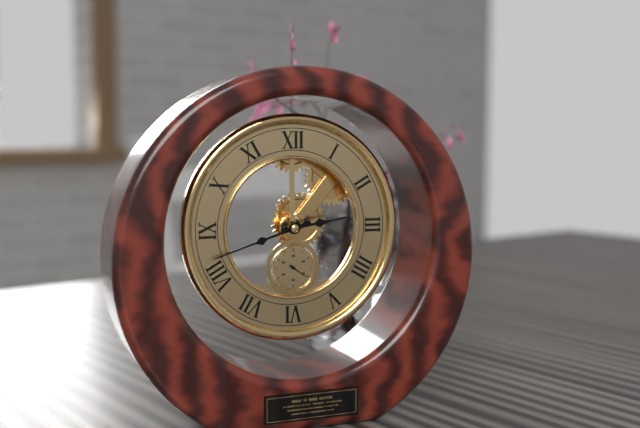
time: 2:42
